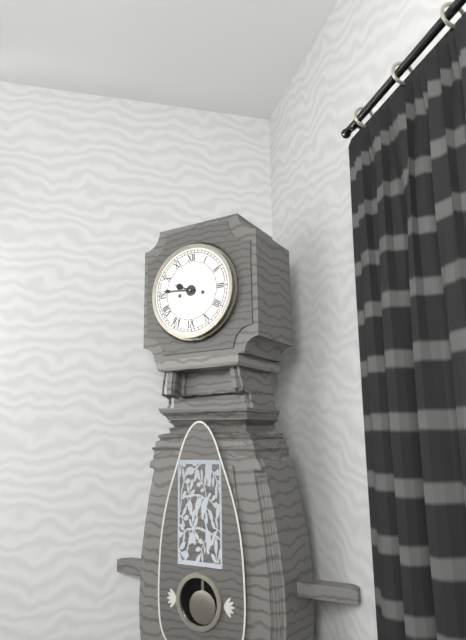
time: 9:46
